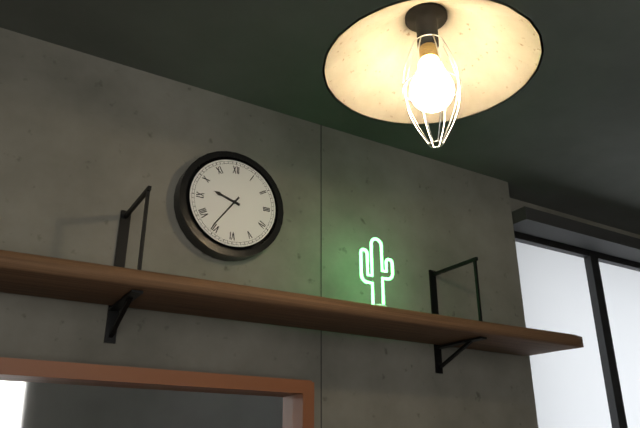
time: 9:36
